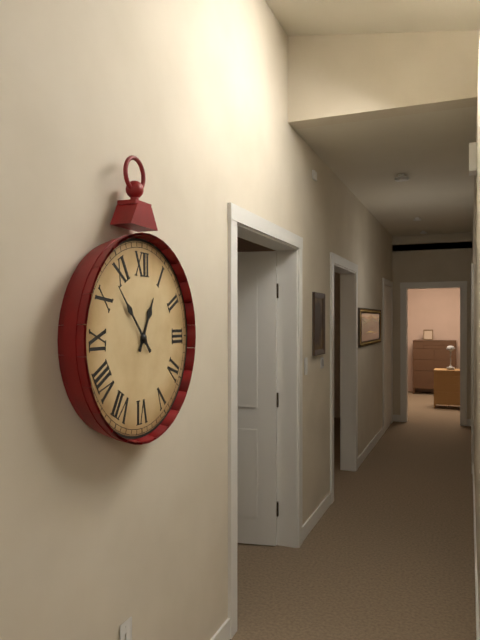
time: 12:53
